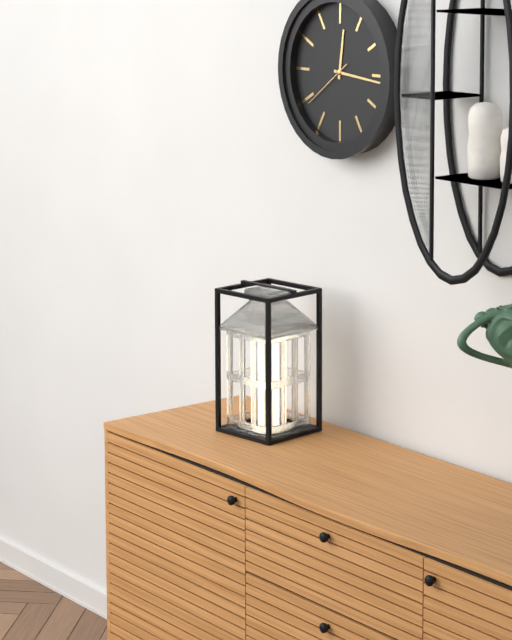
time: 12:16:39
